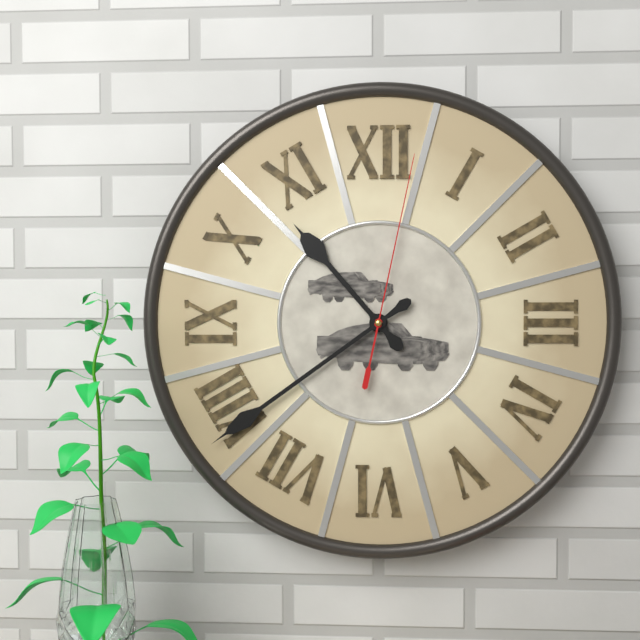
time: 10:39:02
